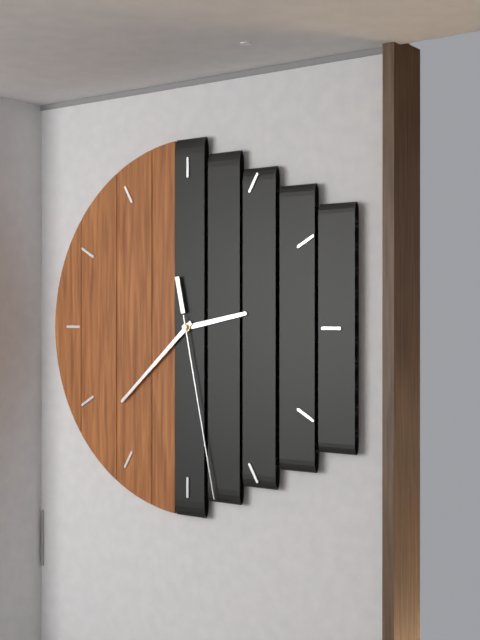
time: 2:38:28
